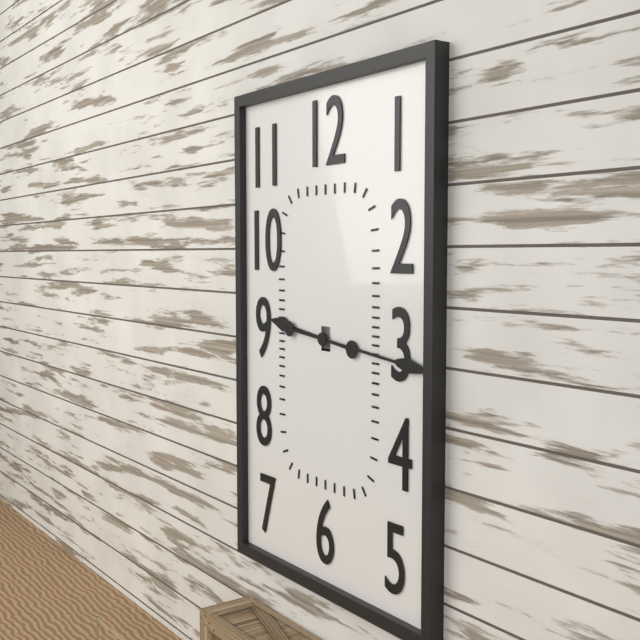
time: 9:16
